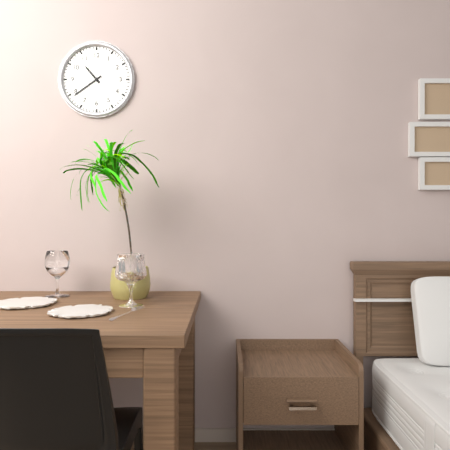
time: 10:39
